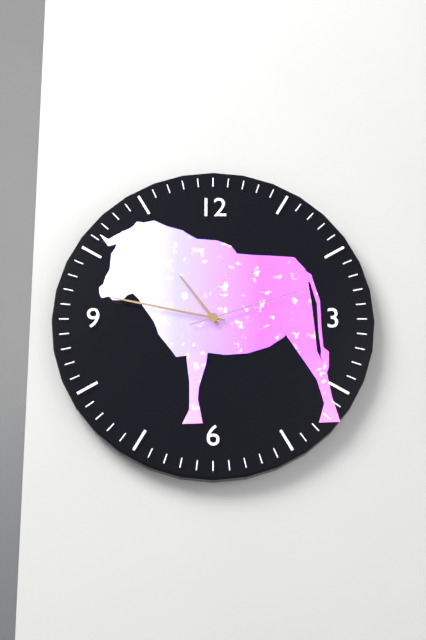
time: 10:47:12
